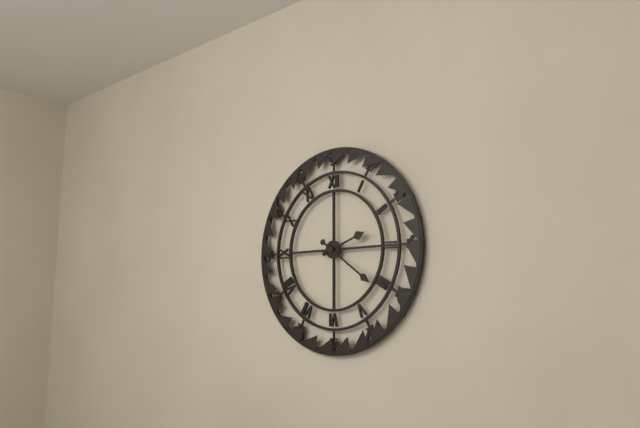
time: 2:21
